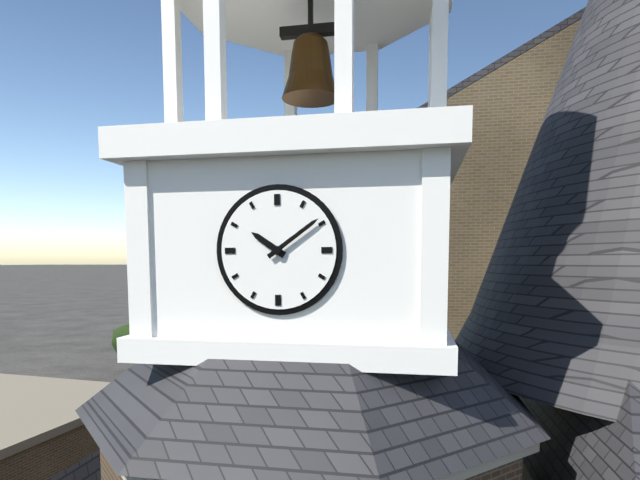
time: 10:09
